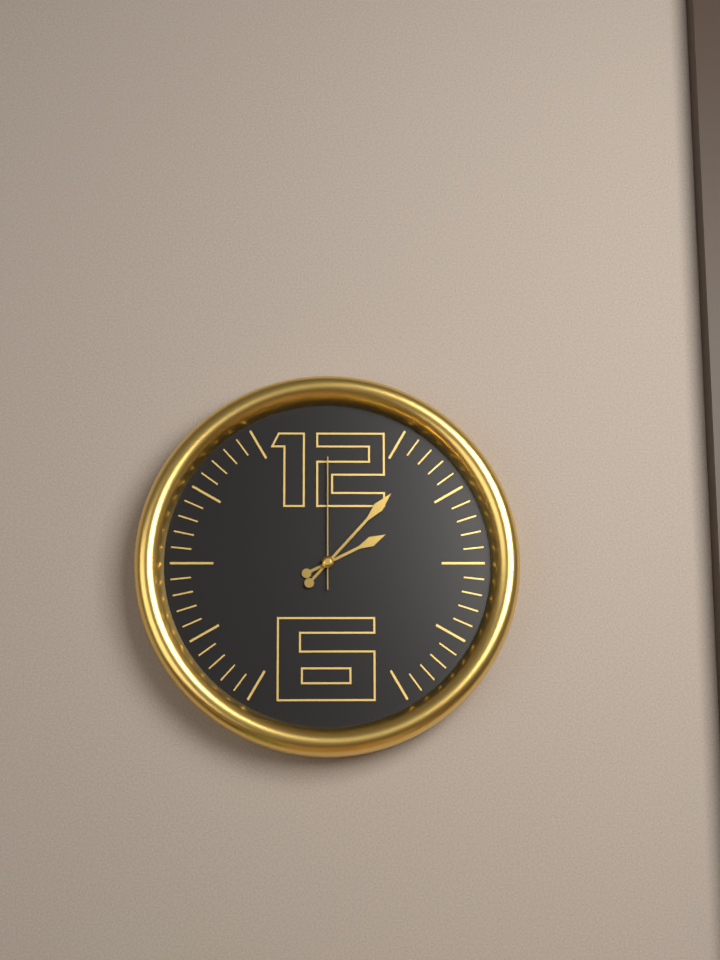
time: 2:07:00
